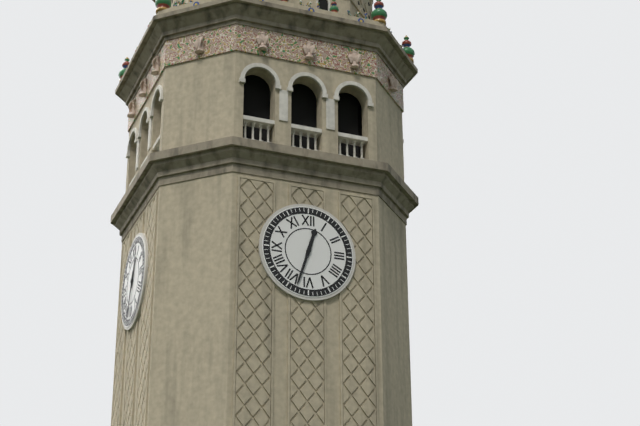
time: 12:33
